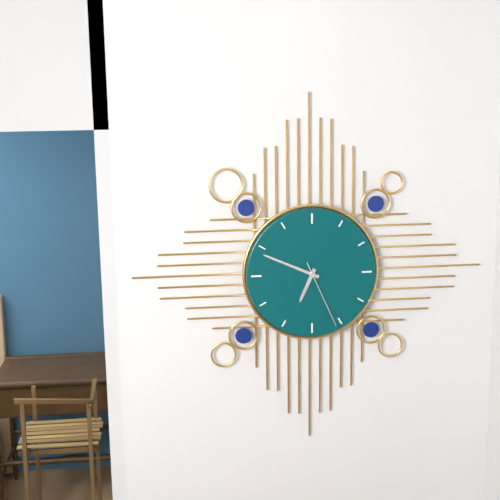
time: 6:49:26
